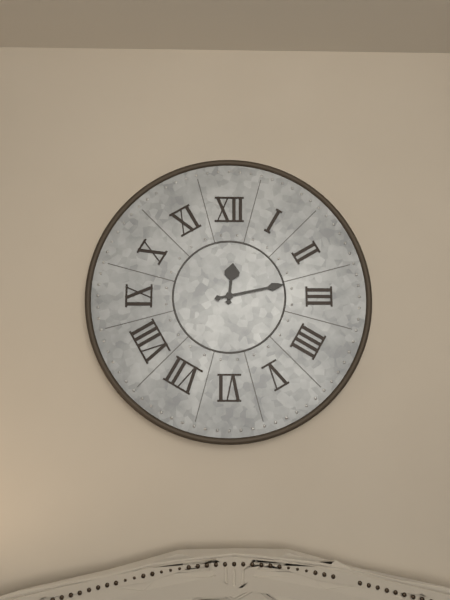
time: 12:13
